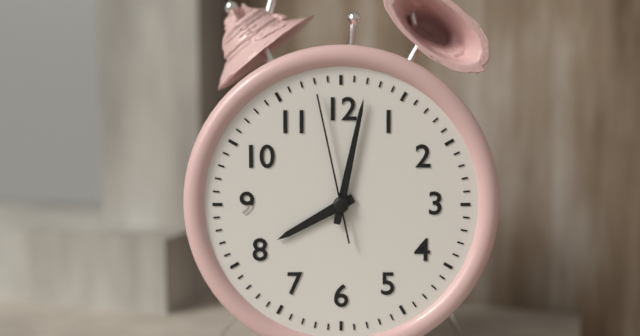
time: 8:02:58
